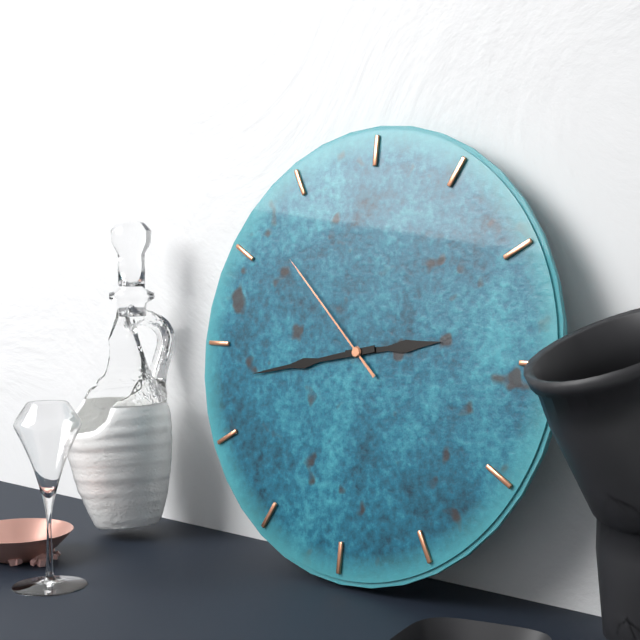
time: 2:43:52
